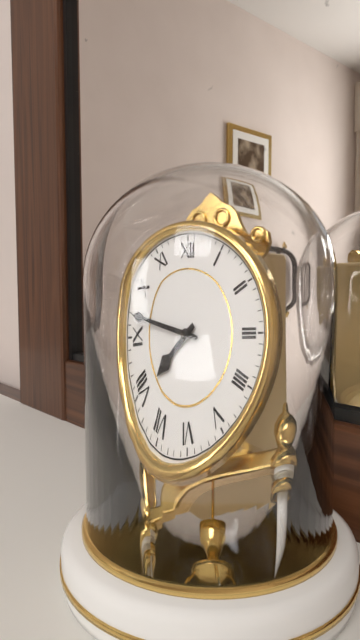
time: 7:47
